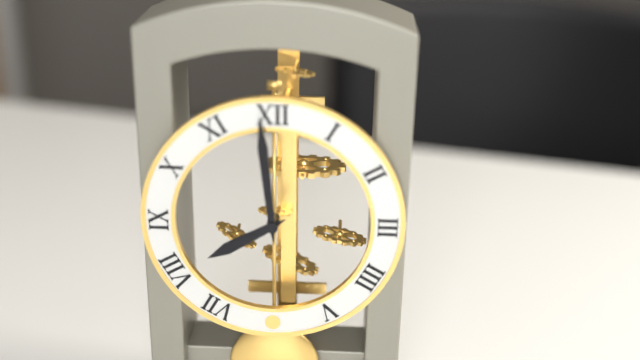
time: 7:59
